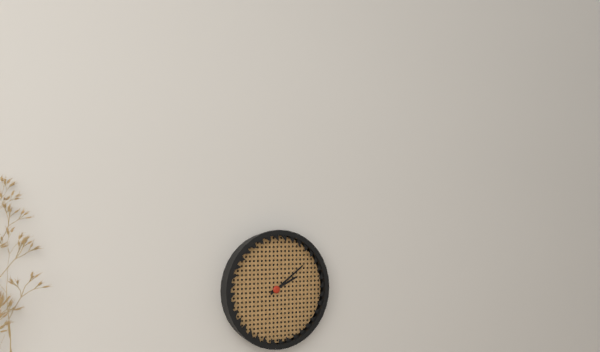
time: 2:09
